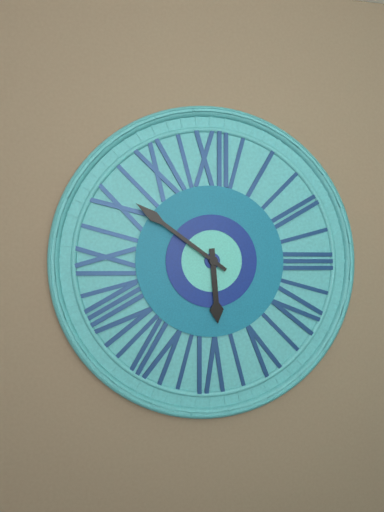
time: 5:51
